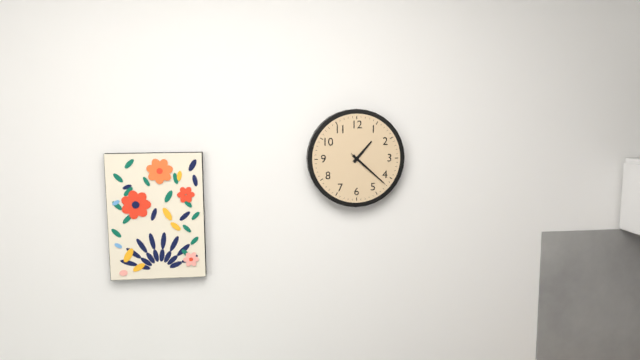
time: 1:22:22
